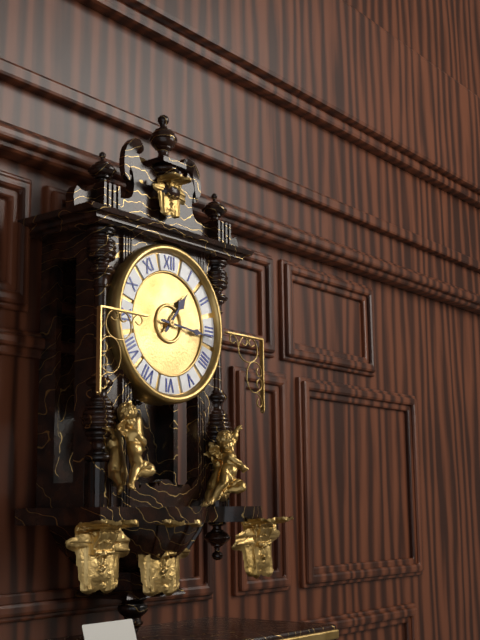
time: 1:16
